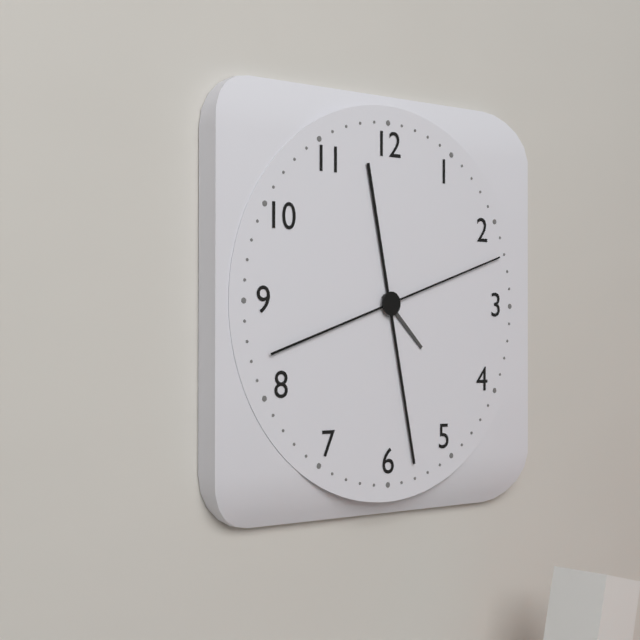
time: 4:28:12
